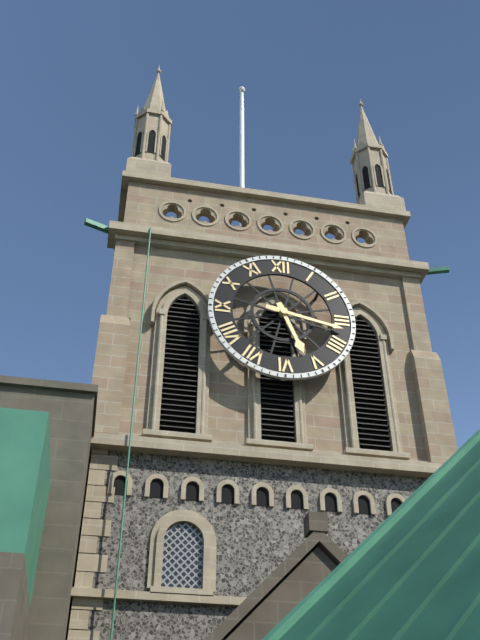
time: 5:17
